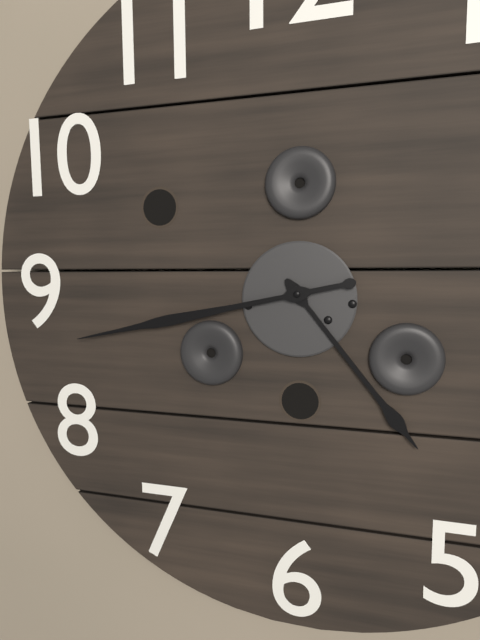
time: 4:43
